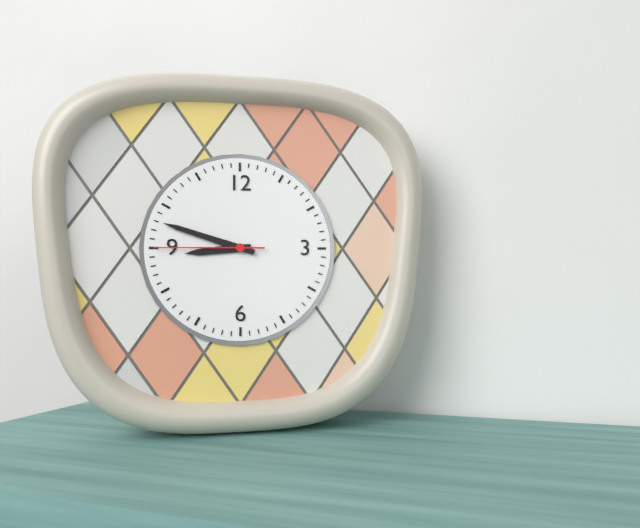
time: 8:48:45
